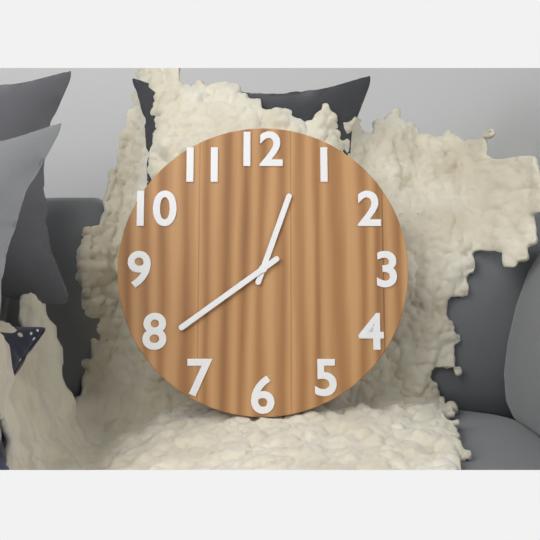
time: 12:39
